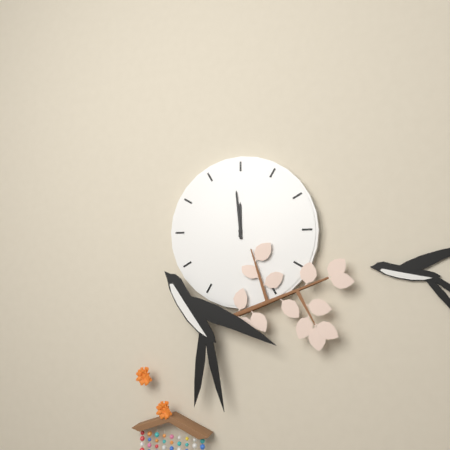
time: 11:59
